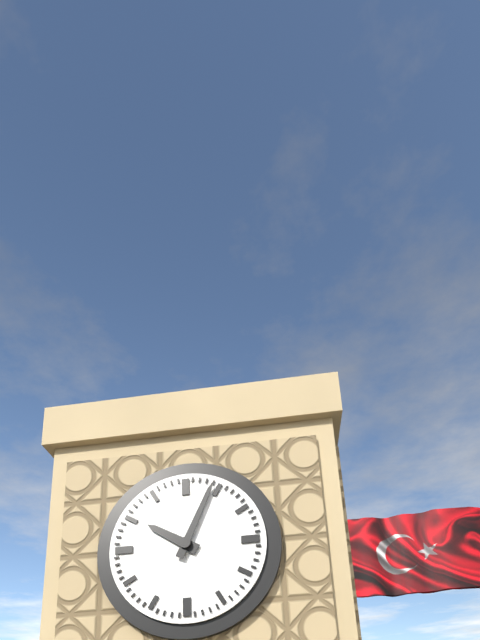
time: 10:04
